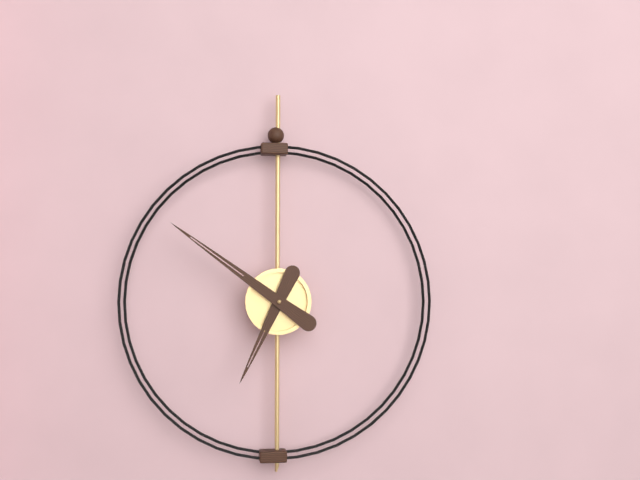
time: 6:51
